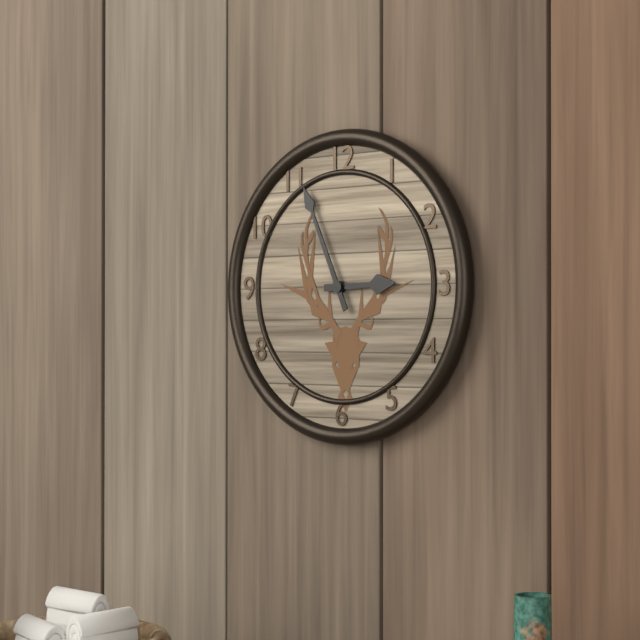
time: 2:56
